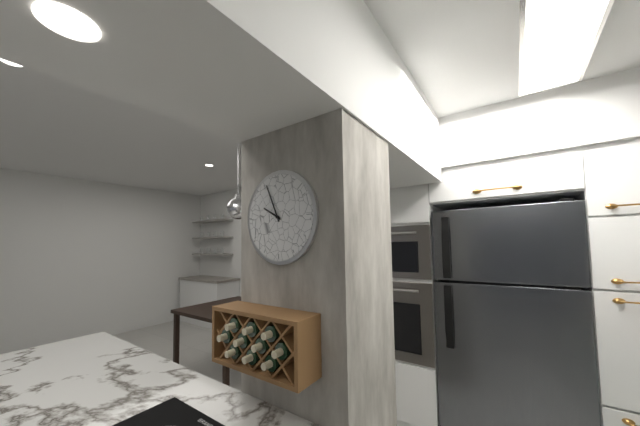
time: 9:56
